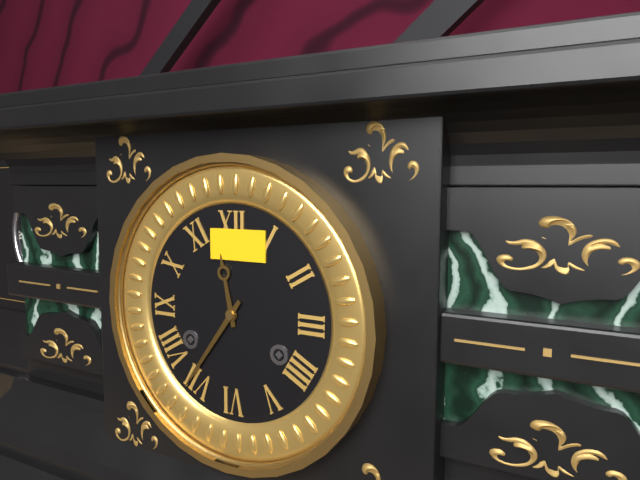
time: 11:36
